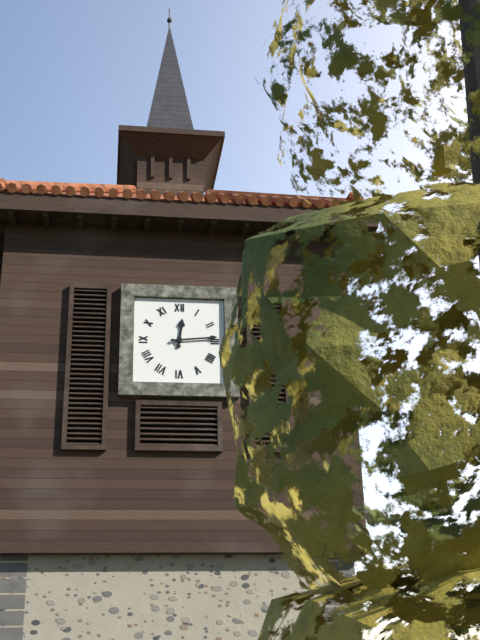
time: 12:14
